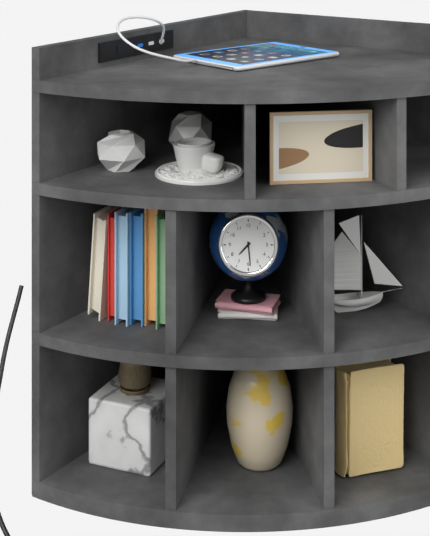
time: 7:29
